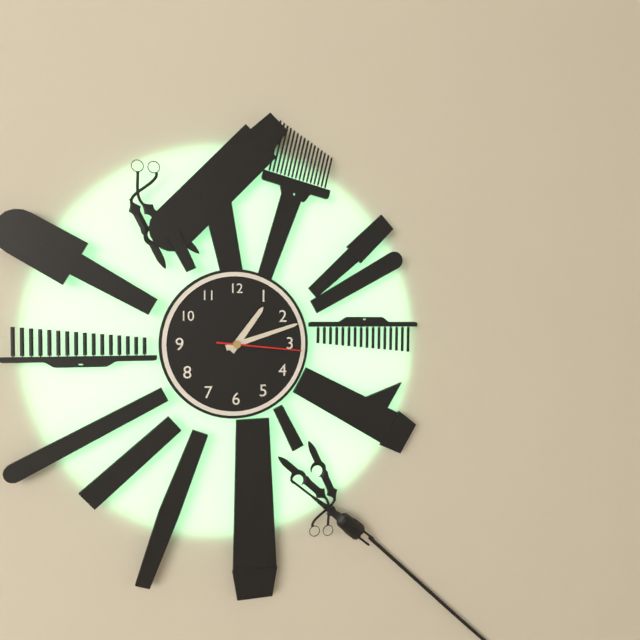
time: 1:12:16
